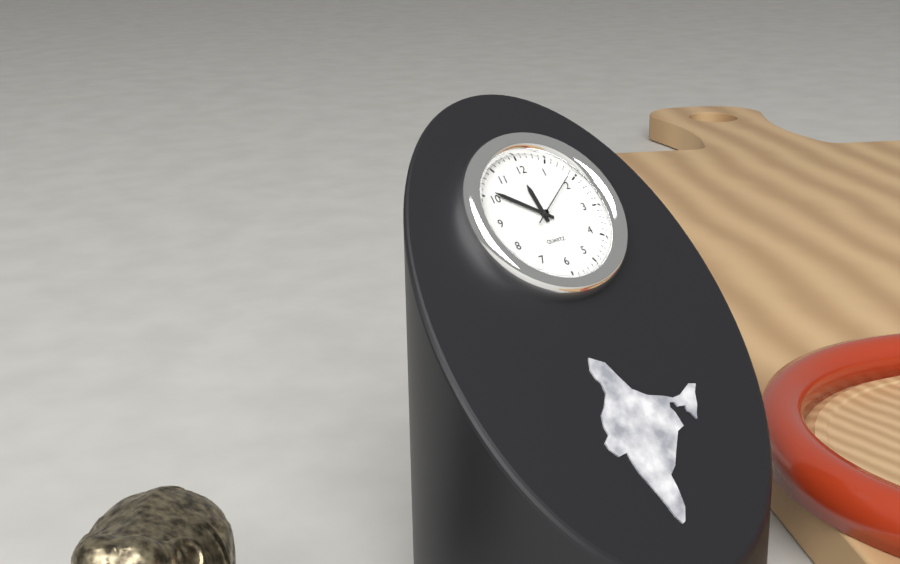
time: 11:51:09
